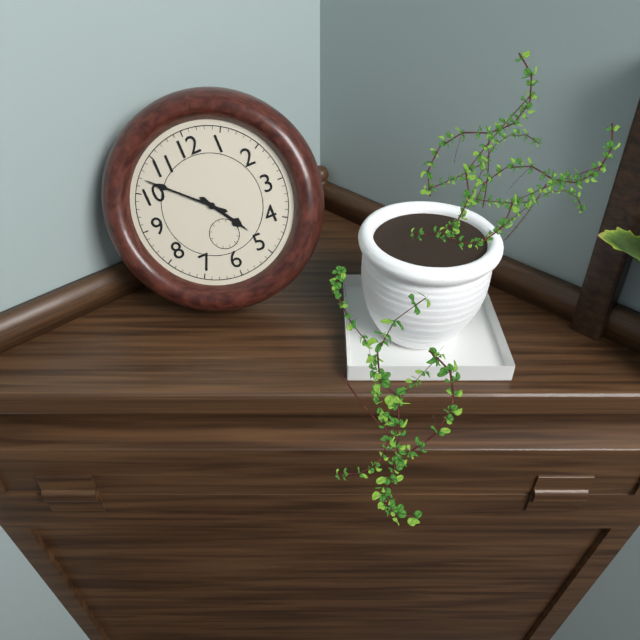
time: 4:52
